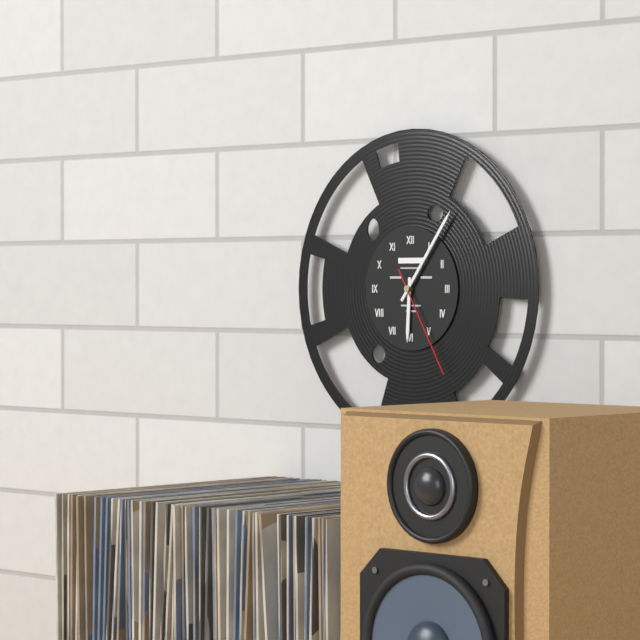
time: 6:06:25
